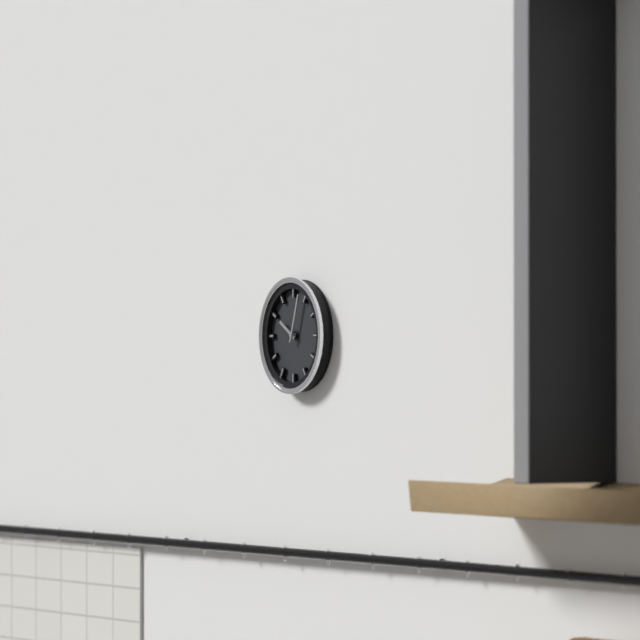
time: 10:03
